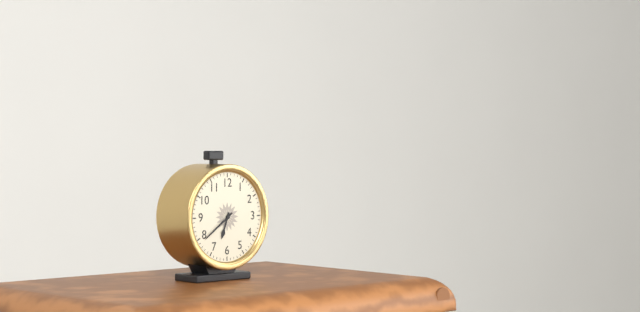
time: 6:39
